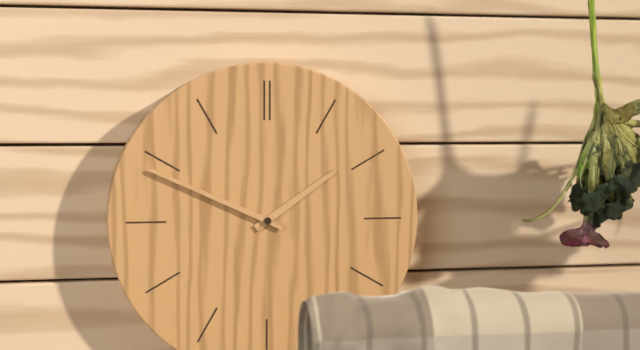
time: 1:49
